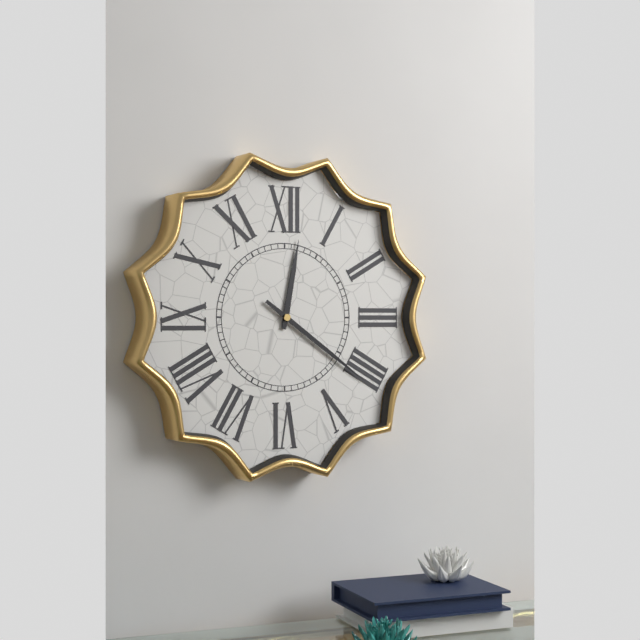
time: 12:21
